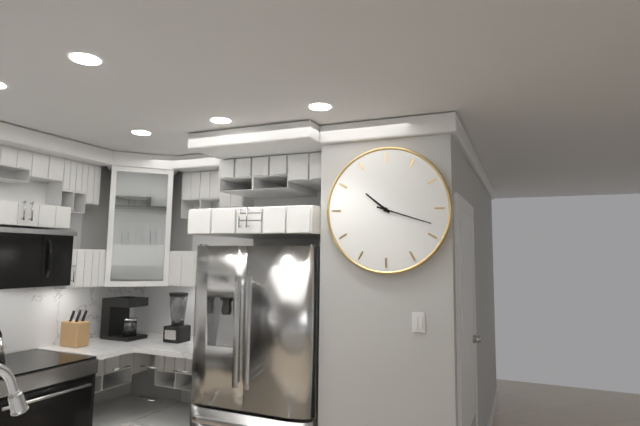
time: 10:18
